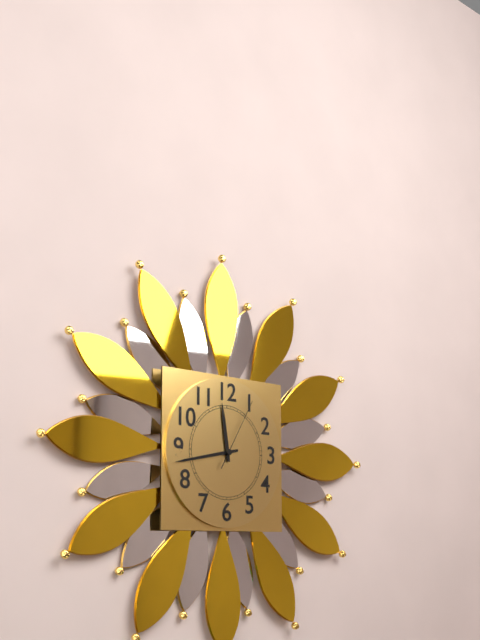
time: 11:43:05
